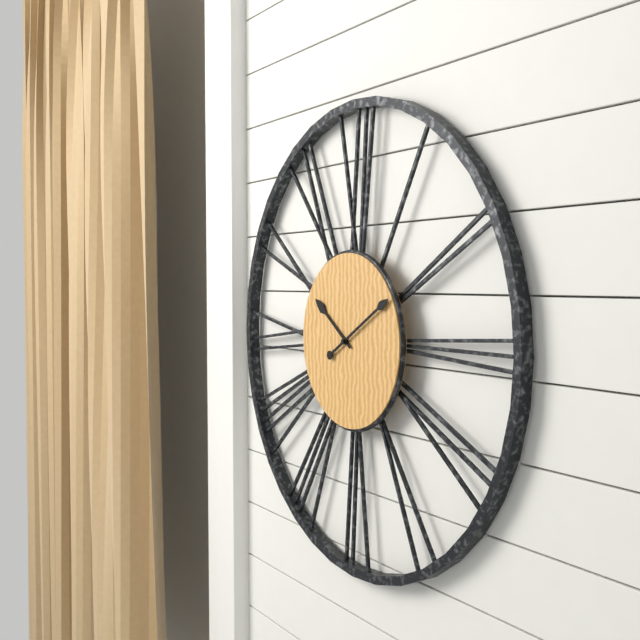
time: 10:10
